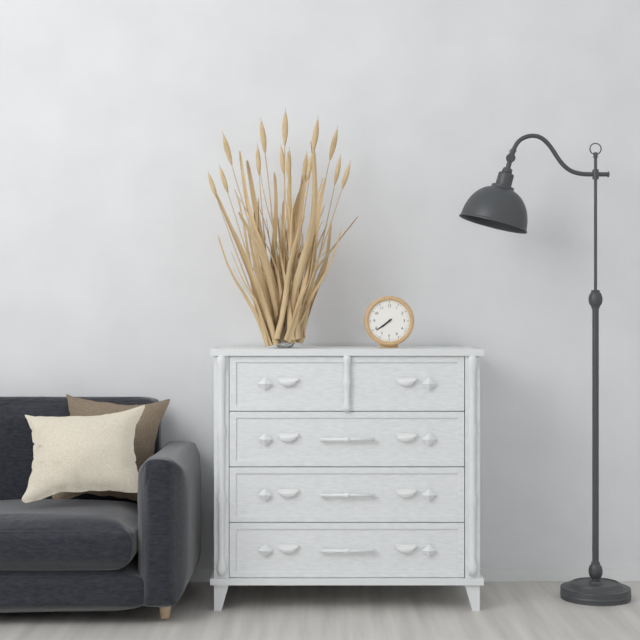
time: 7:39
